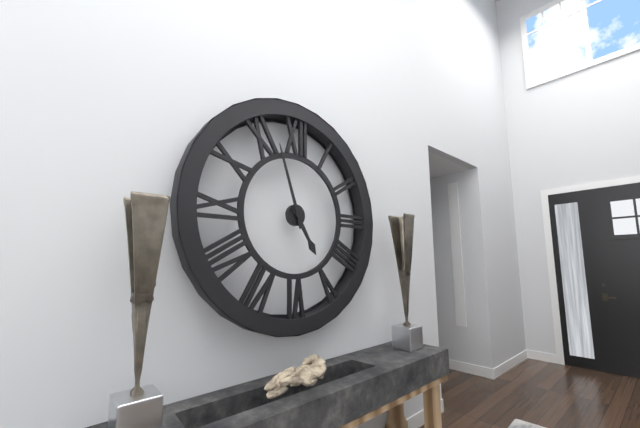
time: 4:57
